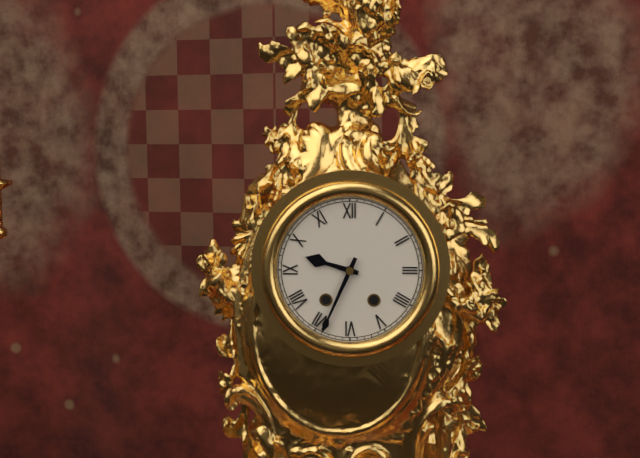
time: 9:34
